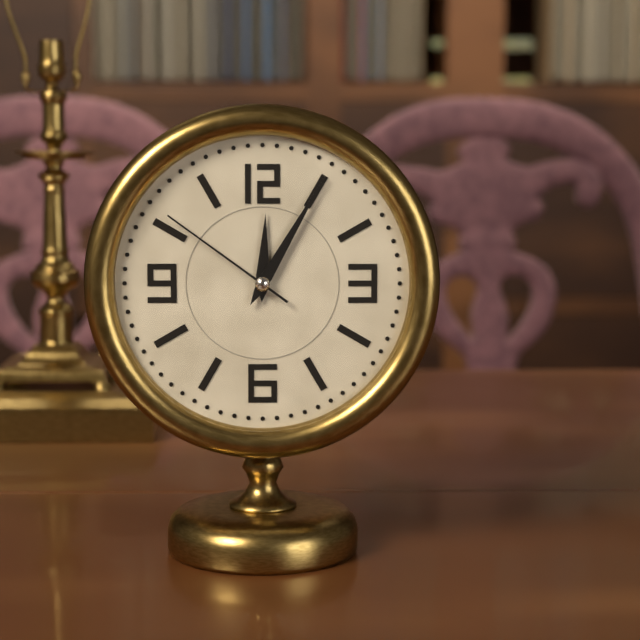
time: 12:05:51
